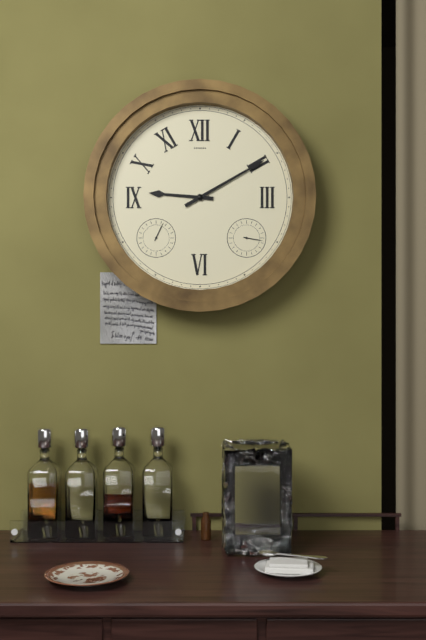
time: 9:10
